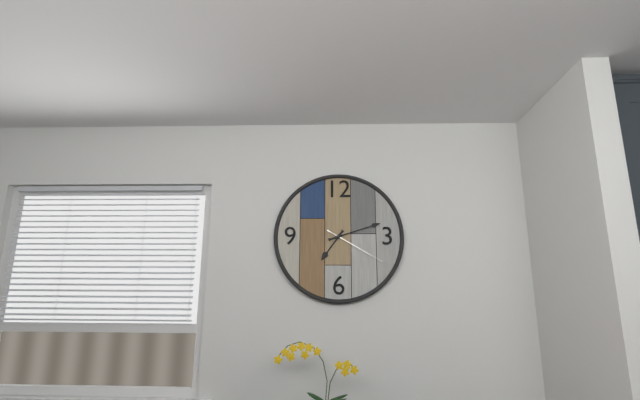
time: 7:12:20
